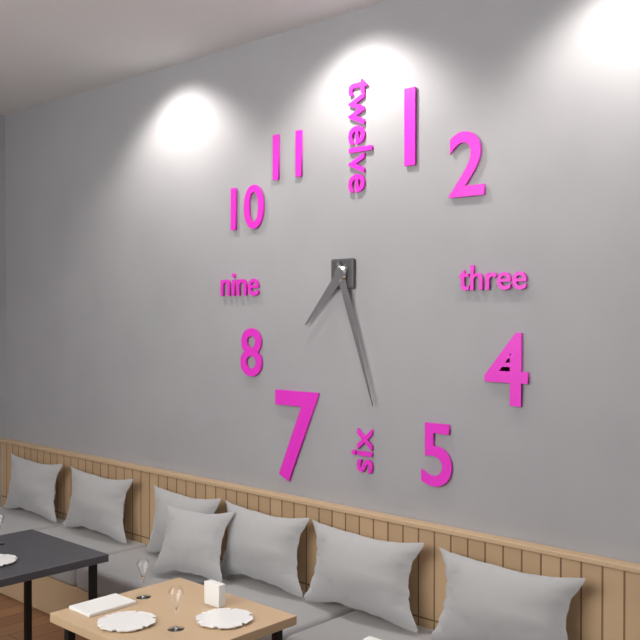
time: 7:27
